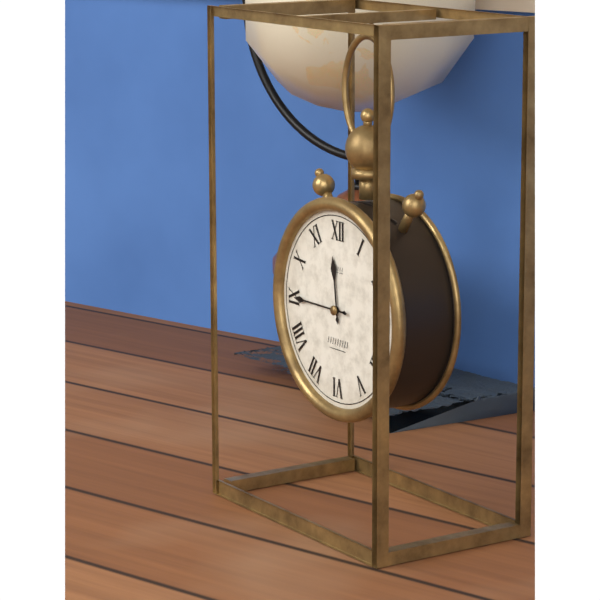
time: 11:45
